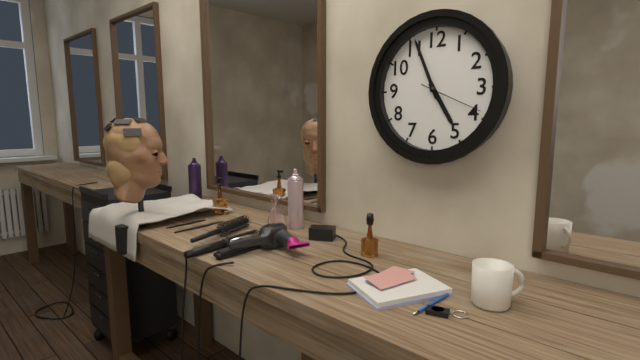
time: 4:56:19
